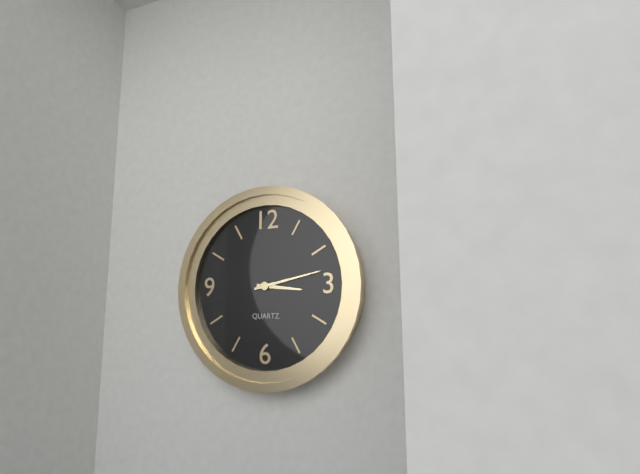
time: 3:13
